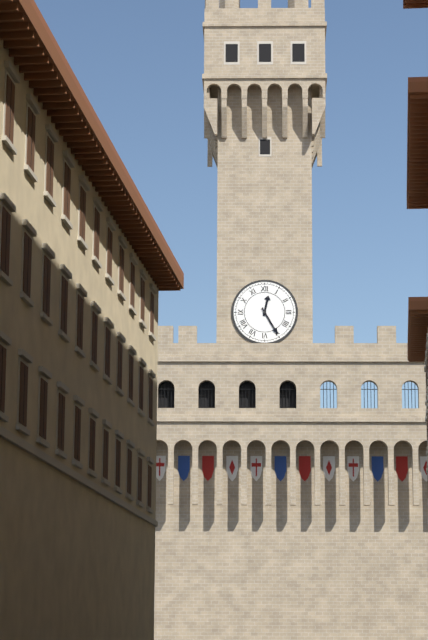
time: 12:25
